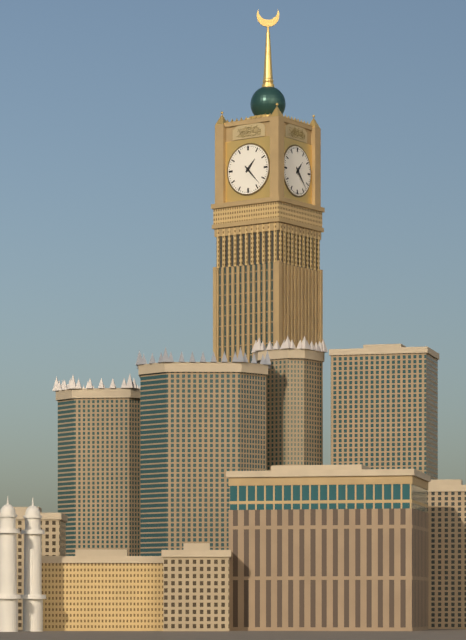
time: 1:23
